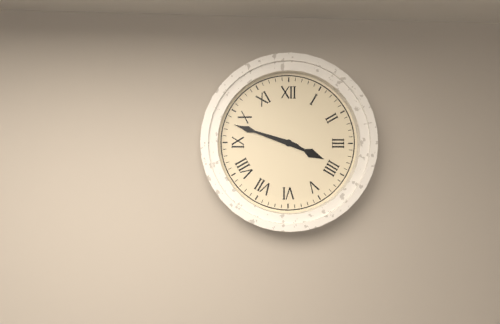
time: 3:48
